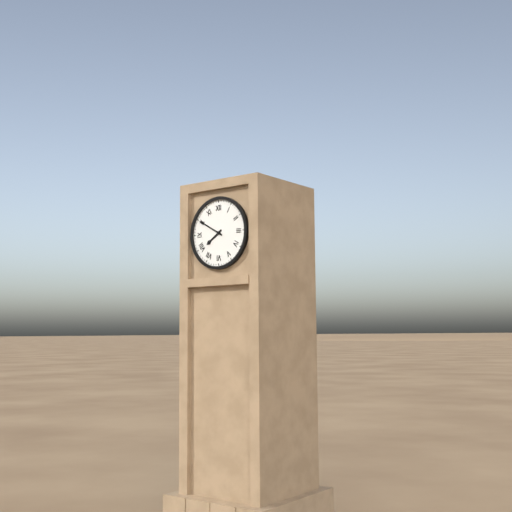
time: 7:50
